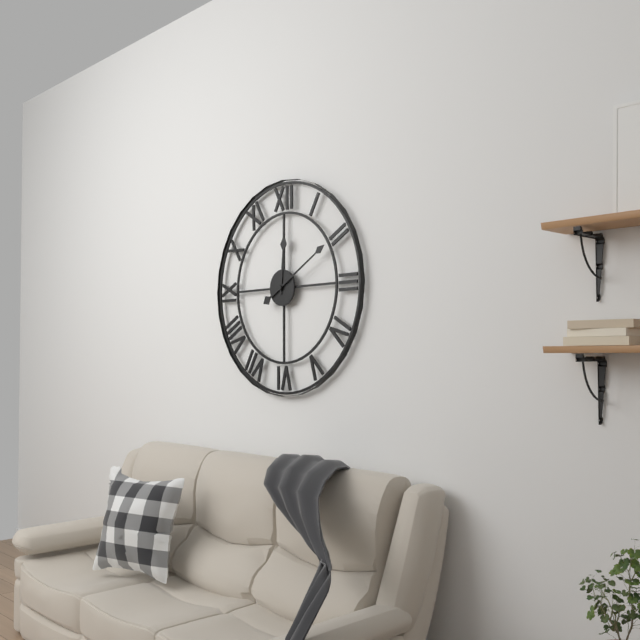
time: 12:10
